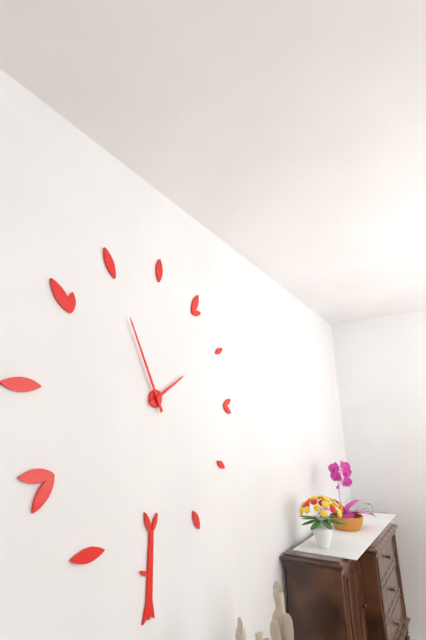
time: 1:55
